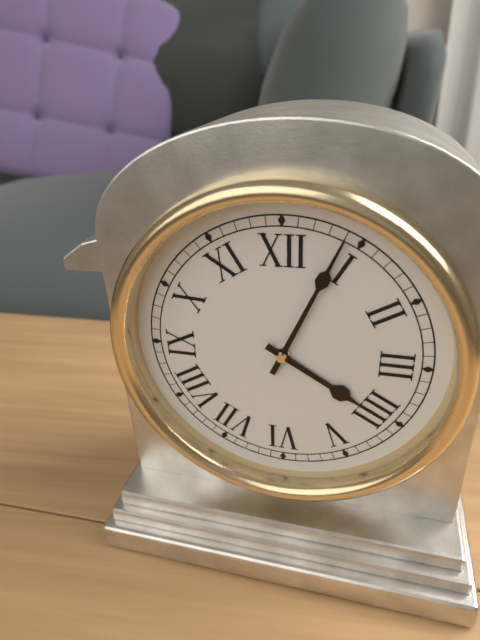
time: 4:04
